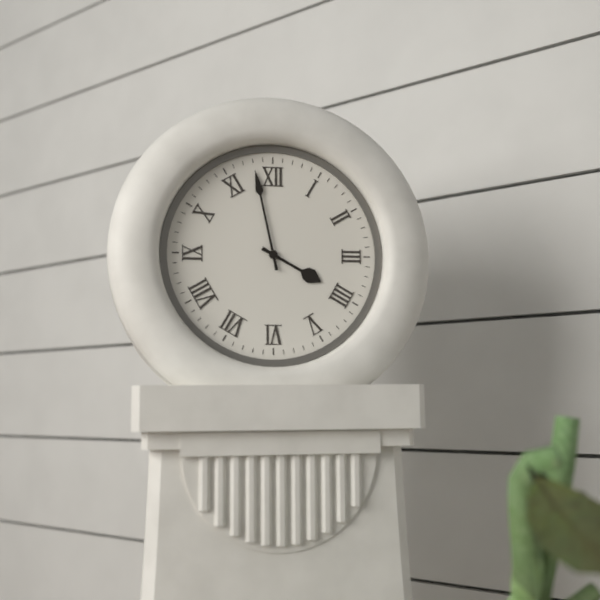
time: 3:58
